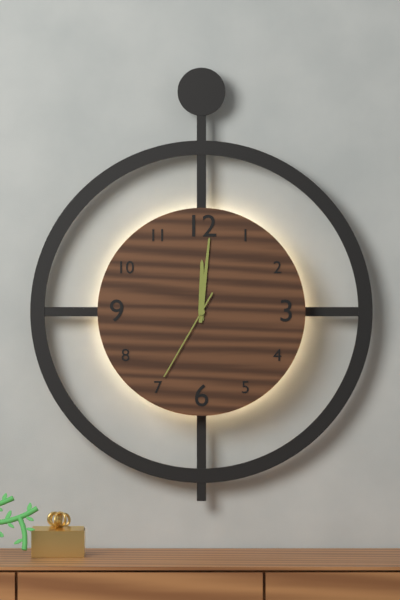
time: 12:01:35
